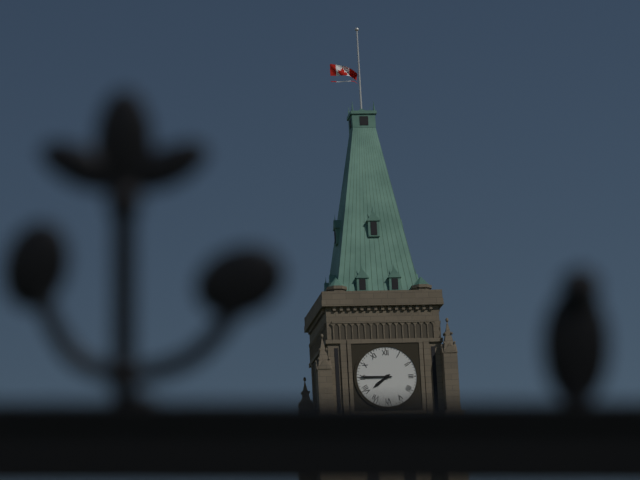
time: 7:45
